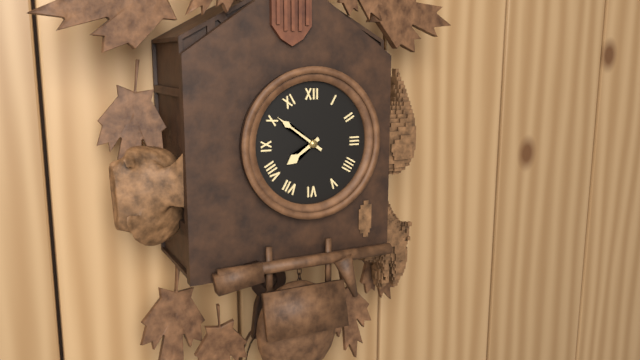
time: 7:51
